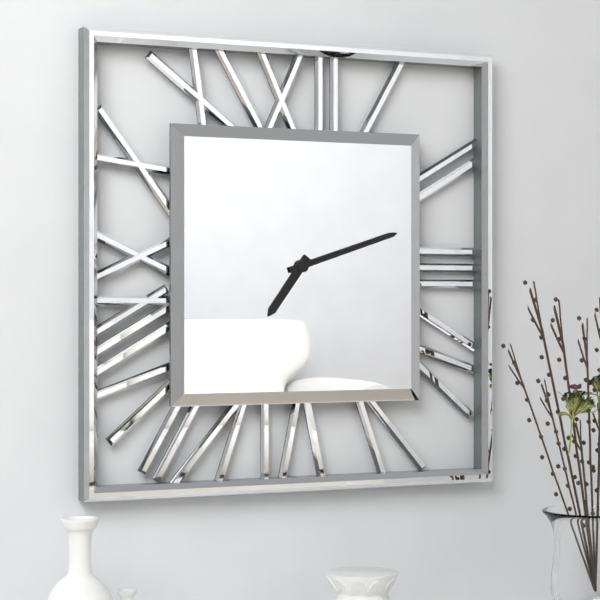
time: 7:12
